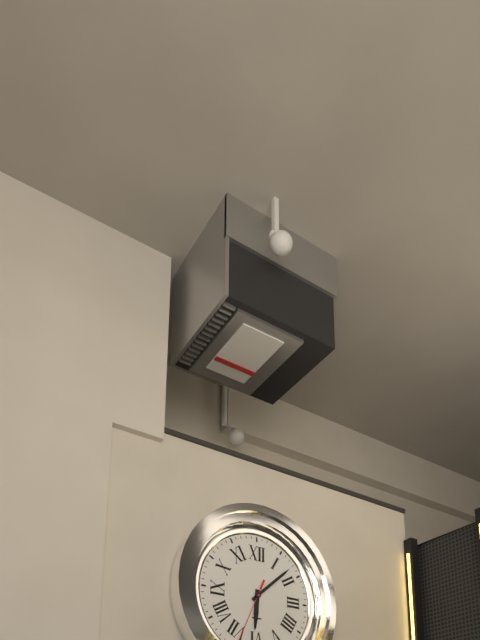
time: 6:08
